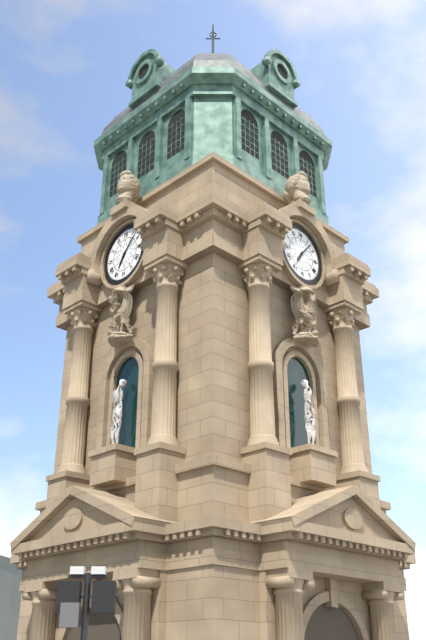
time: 7:07
